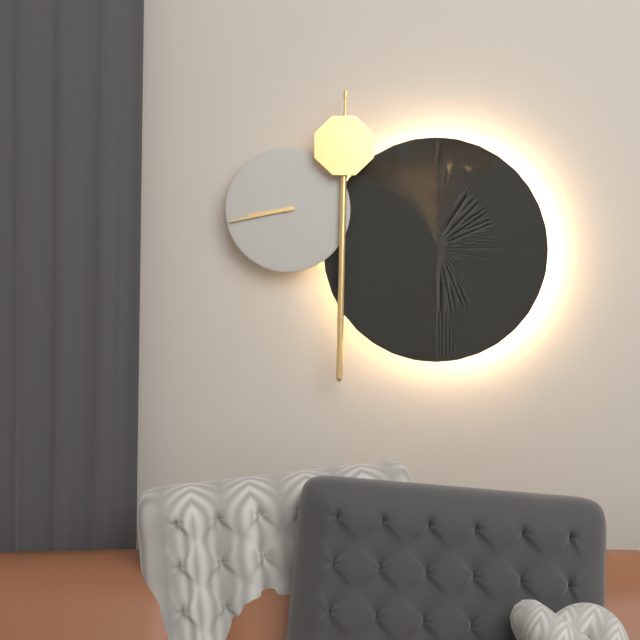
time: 8:43
